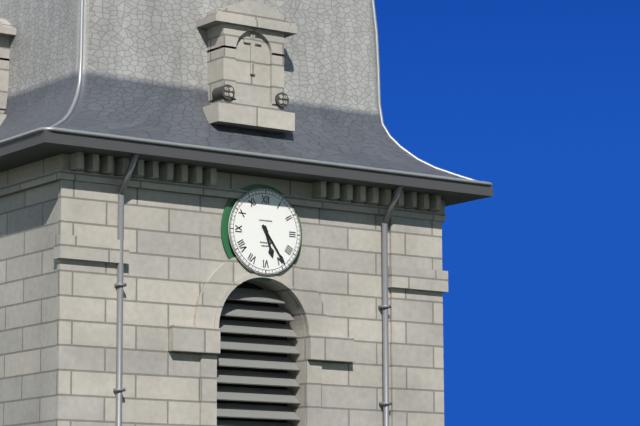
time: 5:24
